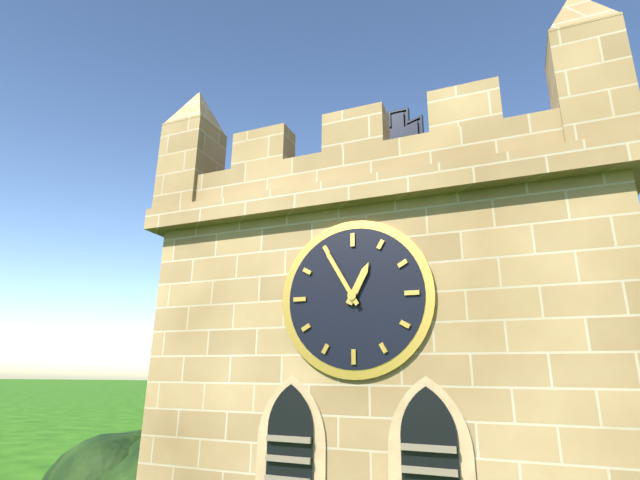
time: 12:55
